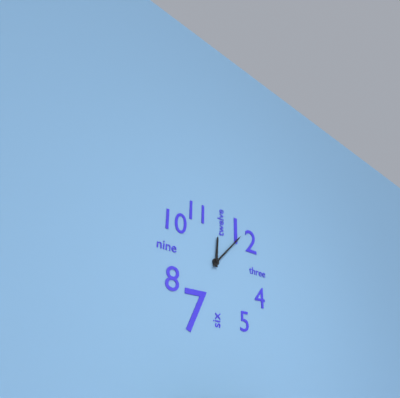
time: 12:07
